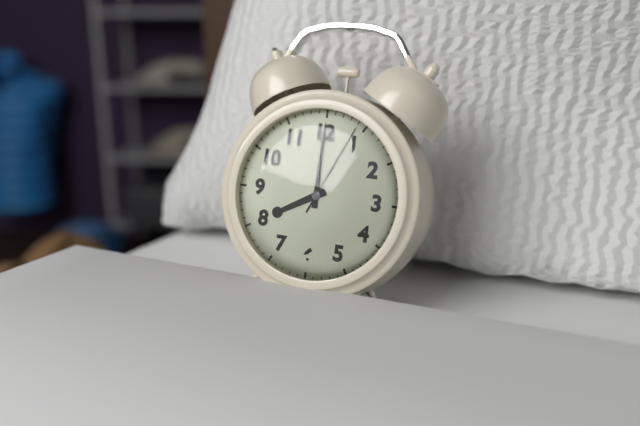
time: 8:00:04
